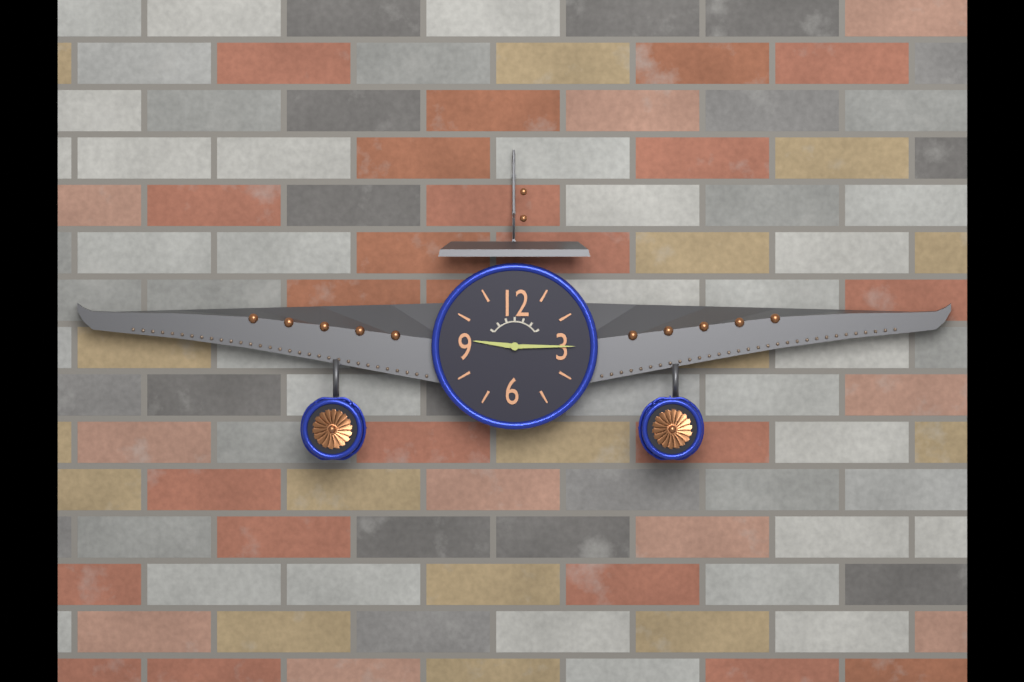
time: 9:15
